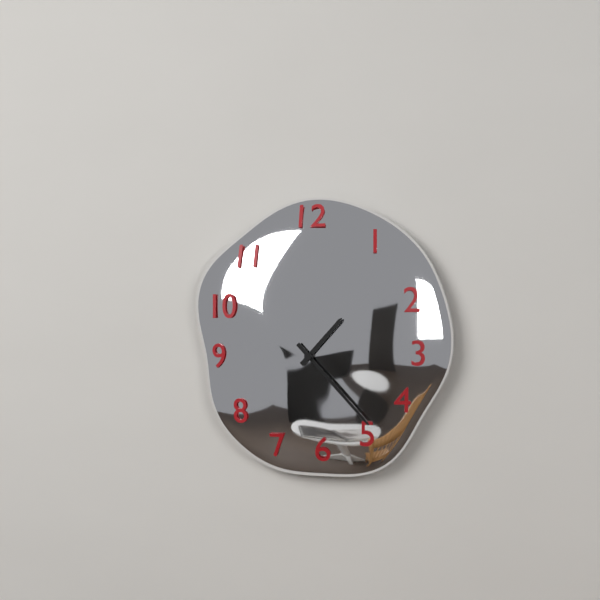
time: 1:23
